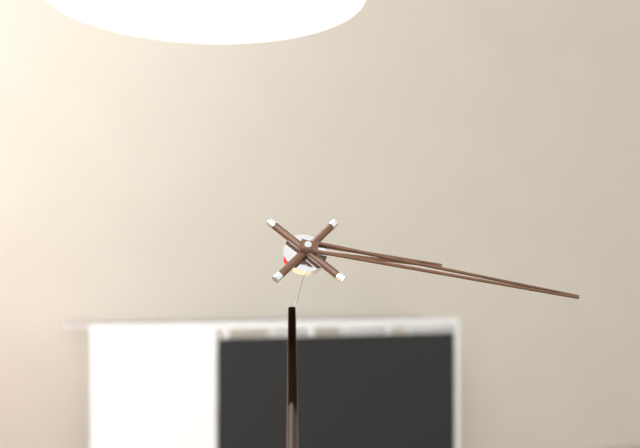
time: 3:17
